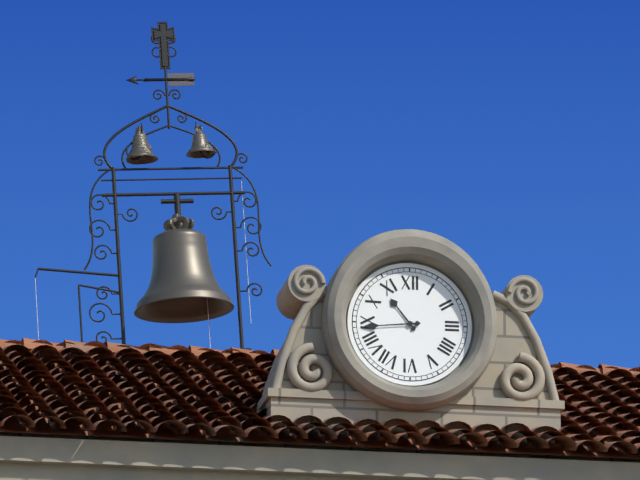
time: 10:44
